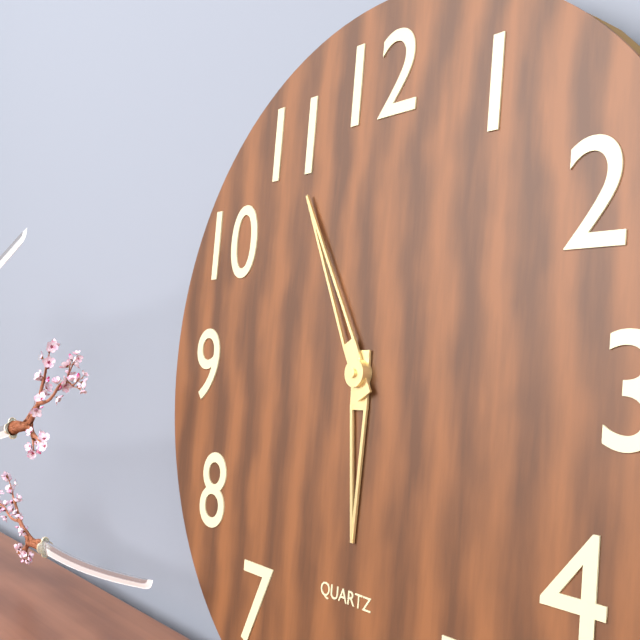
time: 5:55
